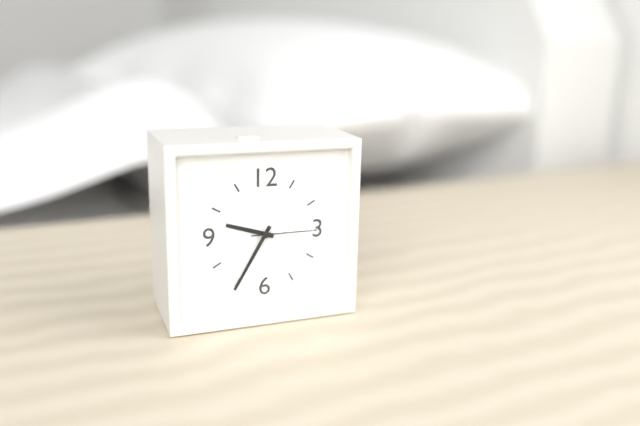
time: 9:35:15
